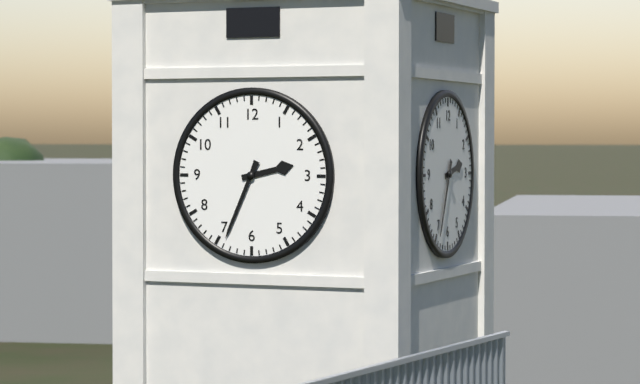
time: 2:34
